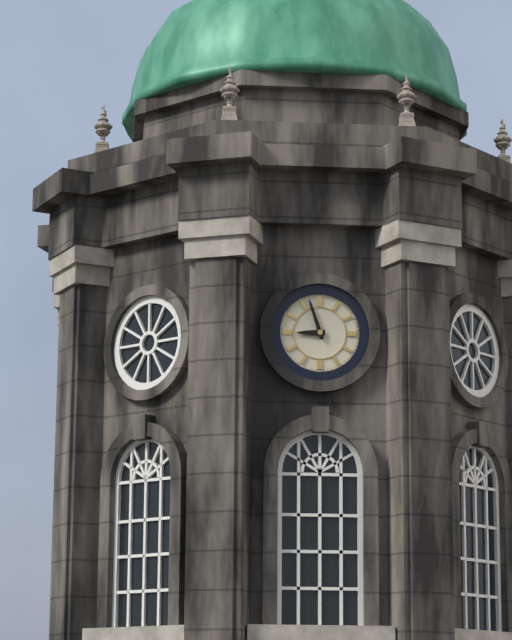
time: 8:57
